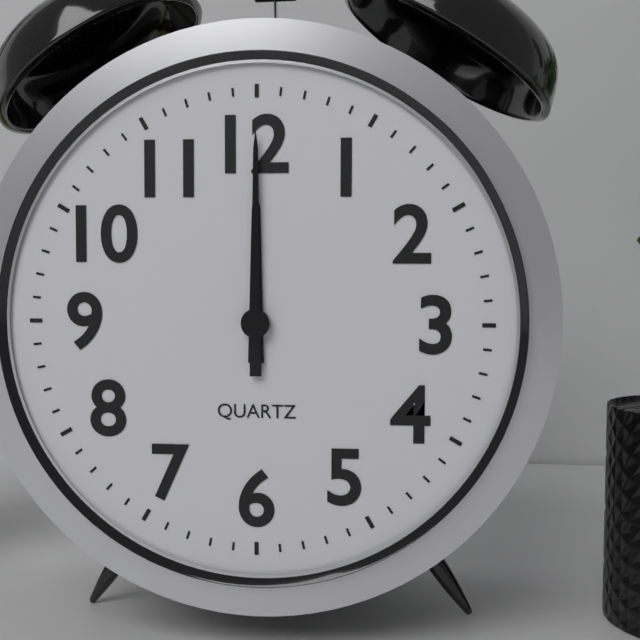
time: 12:00
